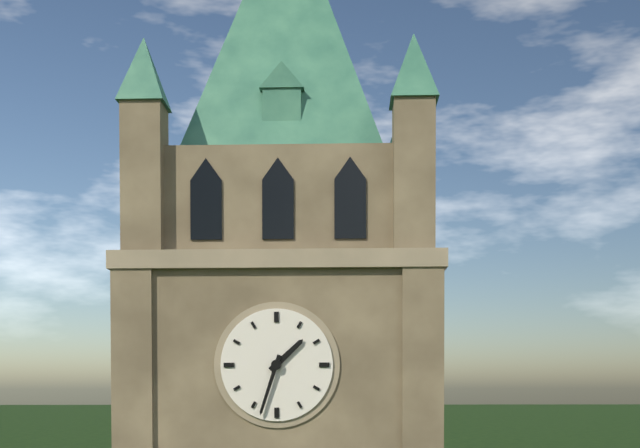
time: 1:33
